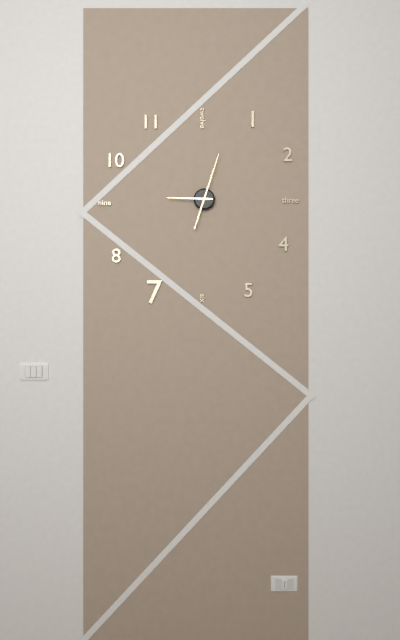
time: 9:03
